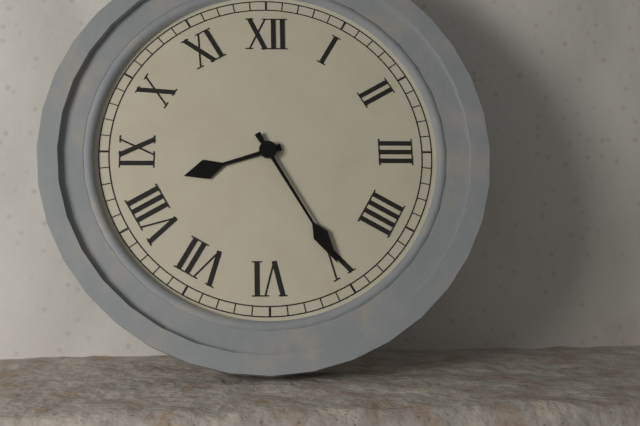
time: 8:25
